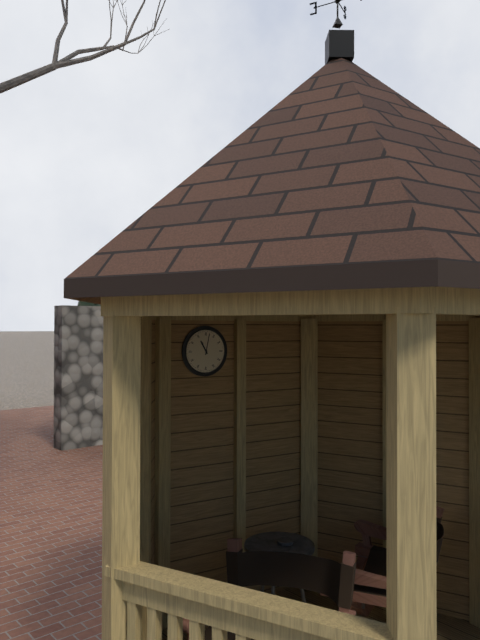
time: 11:02
